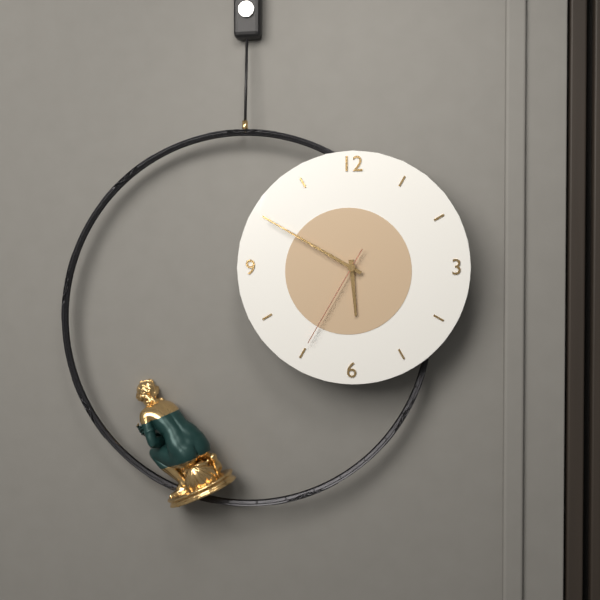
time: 5:50:35
